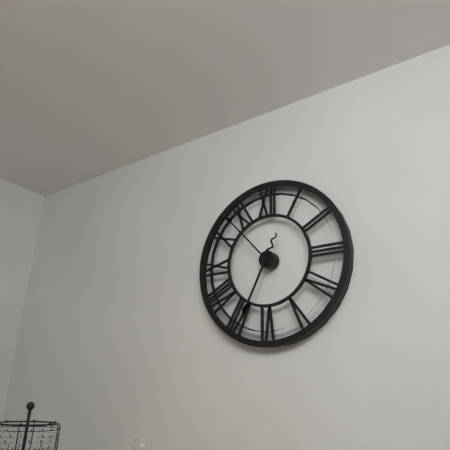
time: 6:53
